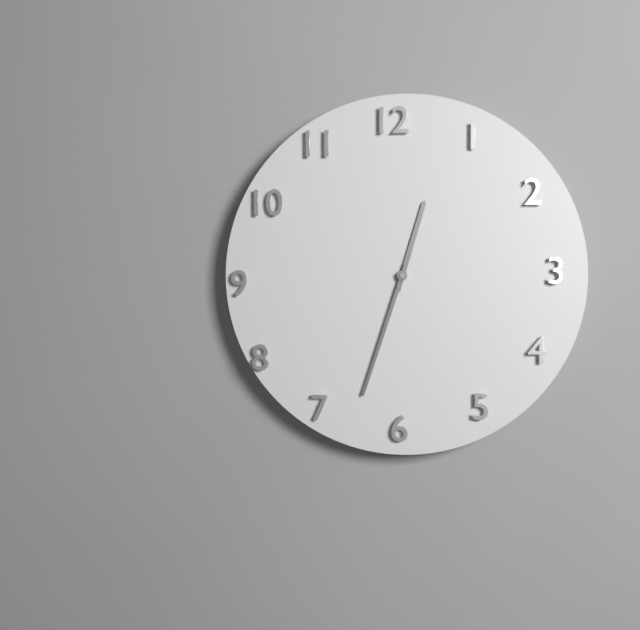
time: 12:33
